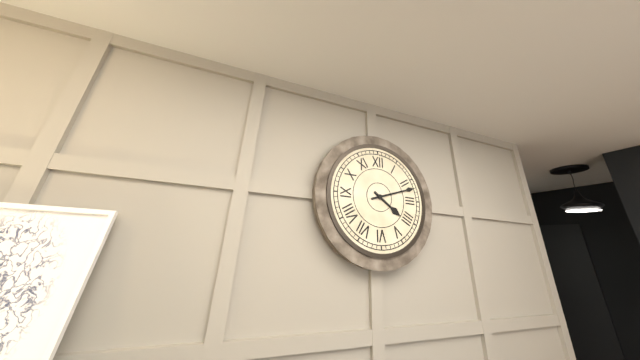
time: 4:12
